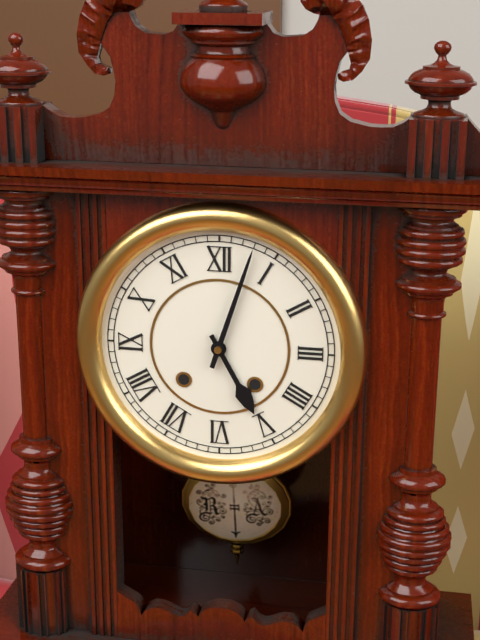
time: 5:03
